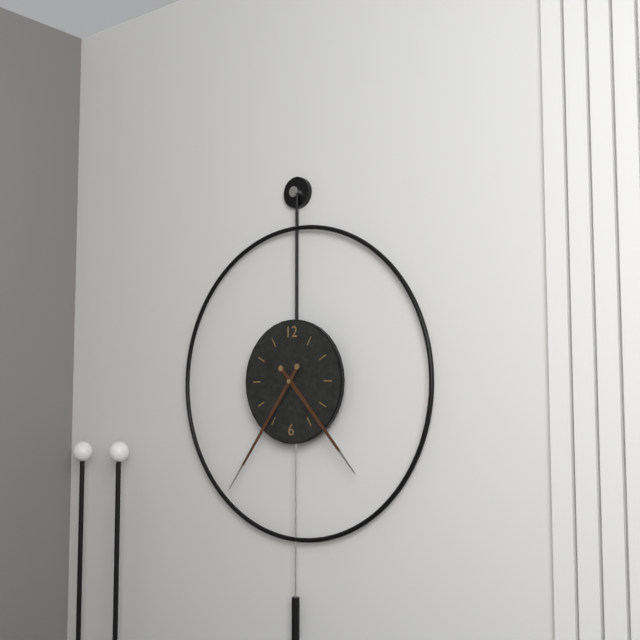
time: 4:36
